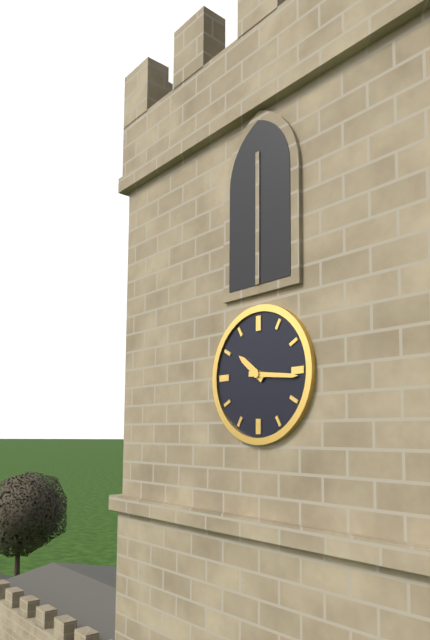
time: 10:16
